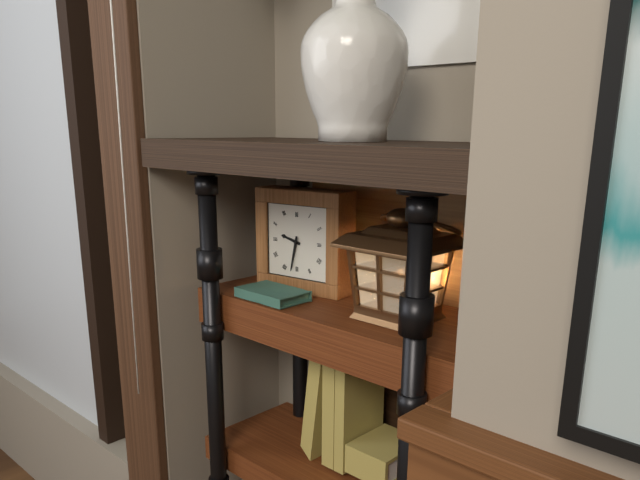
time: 9:32
